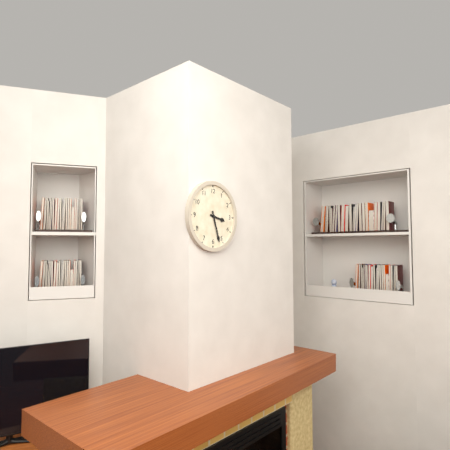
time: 3:27
